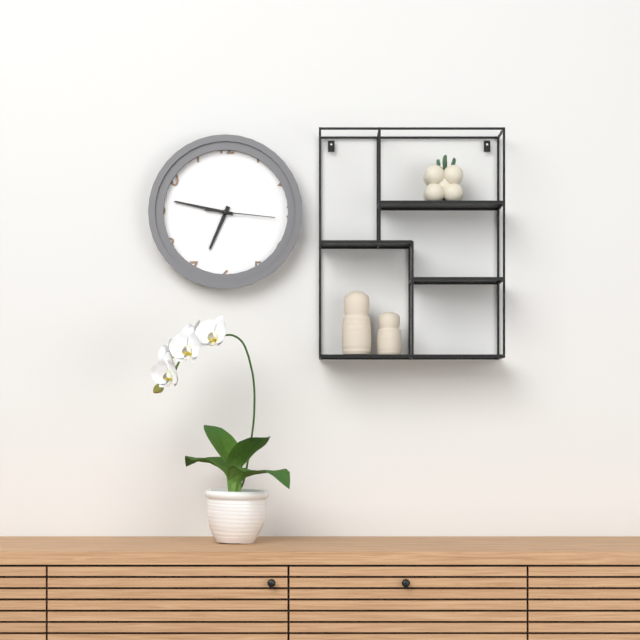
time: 6:47:16
